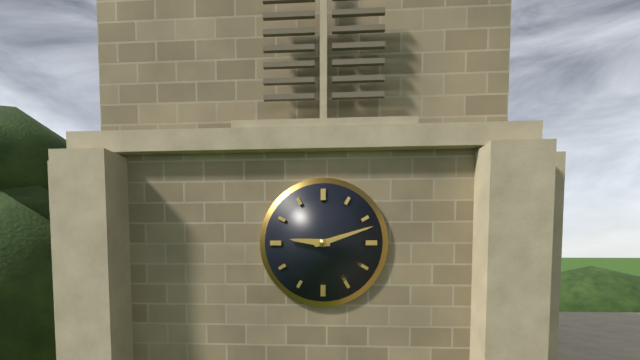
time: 9:12
